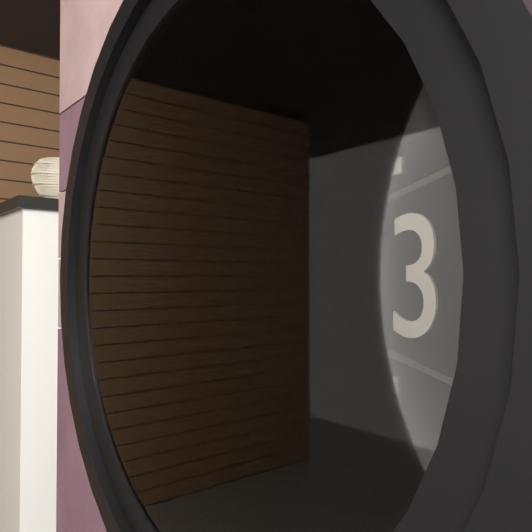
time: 10:23
